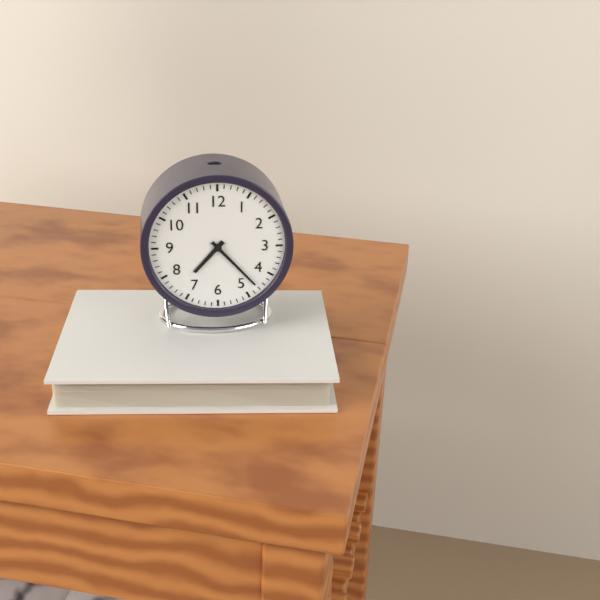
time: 7:23
